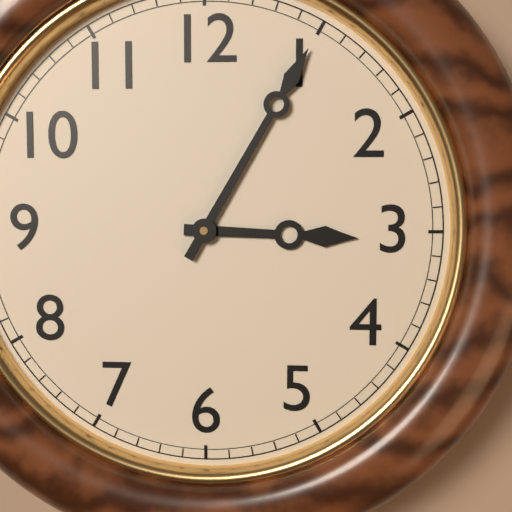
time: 3:05
